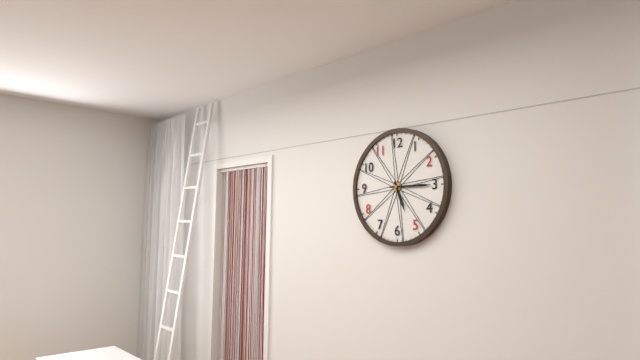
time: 5:15
